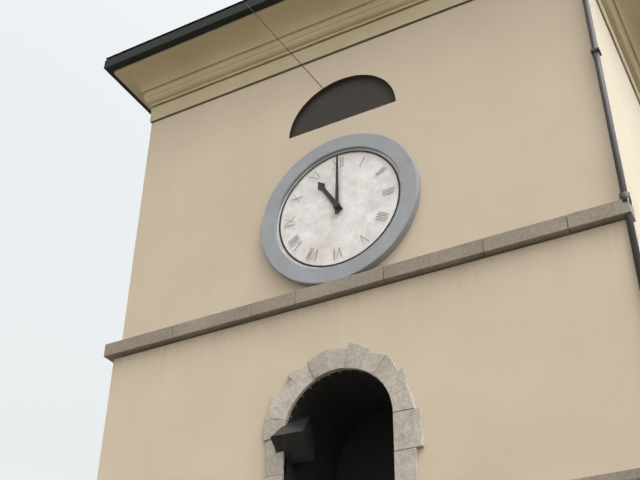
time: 11:00
